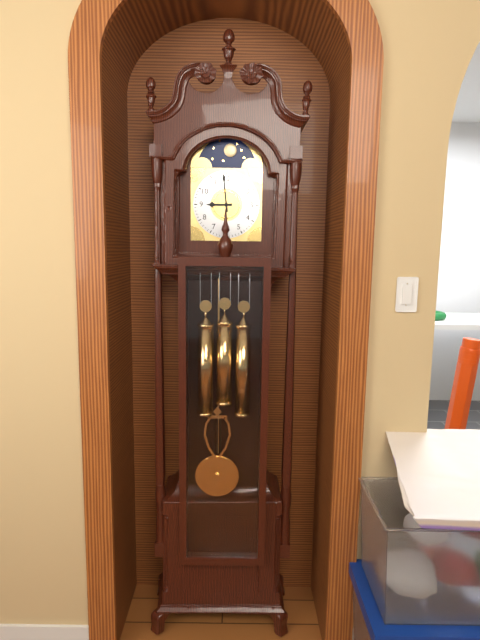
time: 8:59
